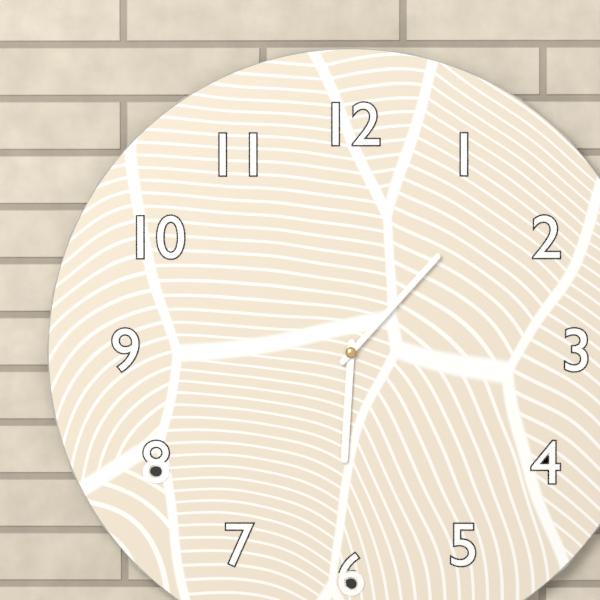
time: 6:07
